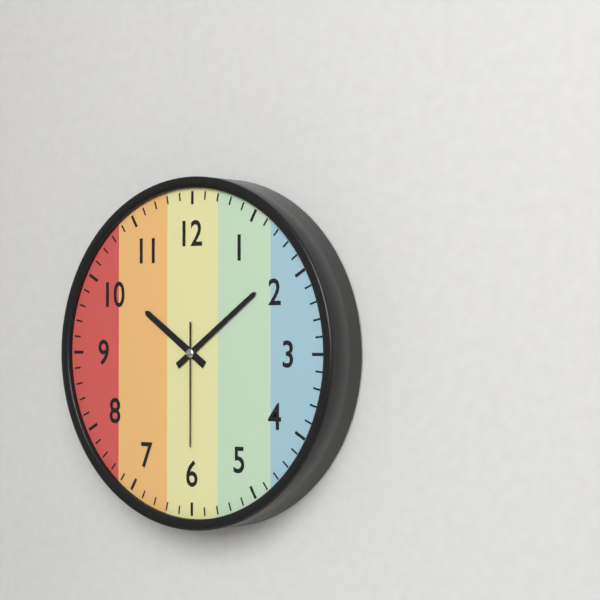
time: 10:09:30
